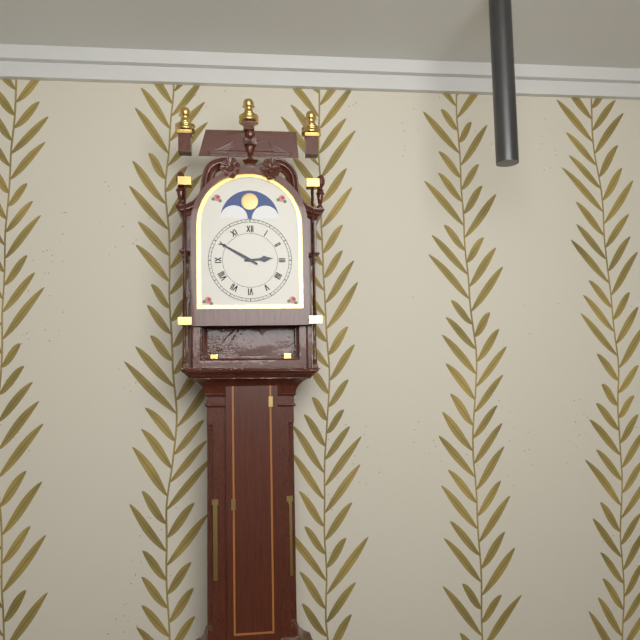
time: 2:50
